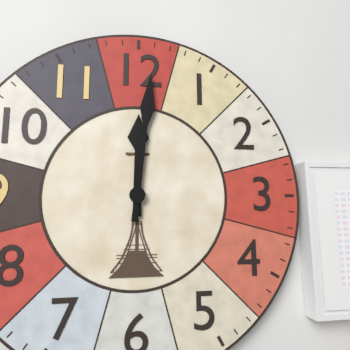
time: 12:01
